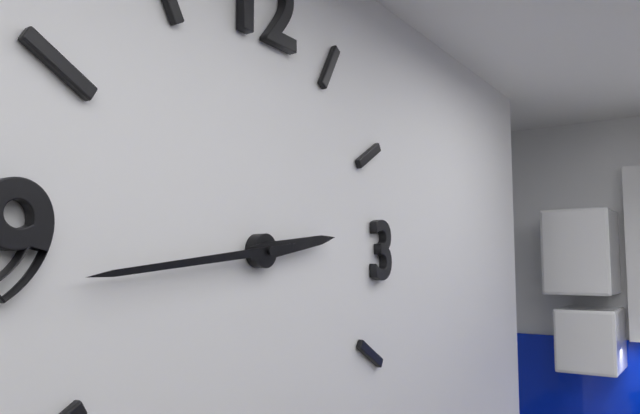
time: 2:44
